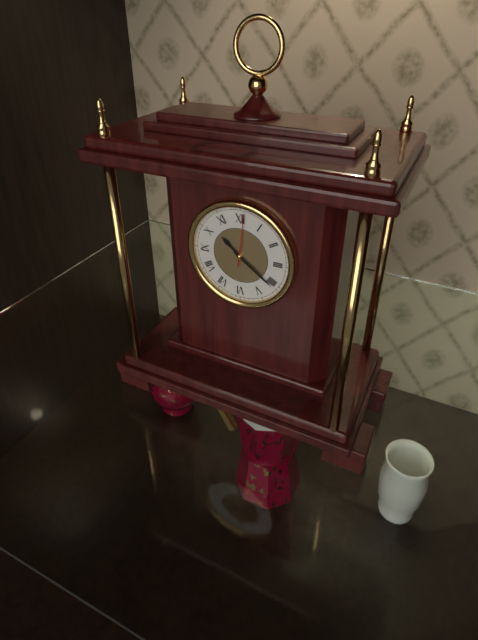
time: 10:21:01
